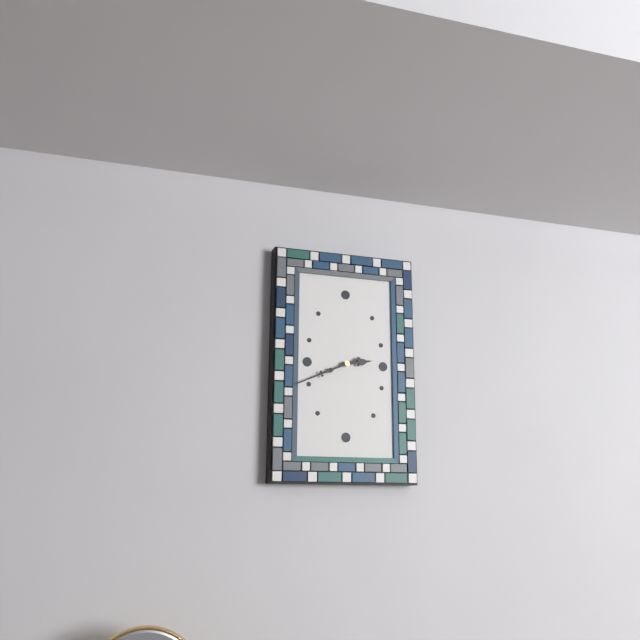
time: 2:41
